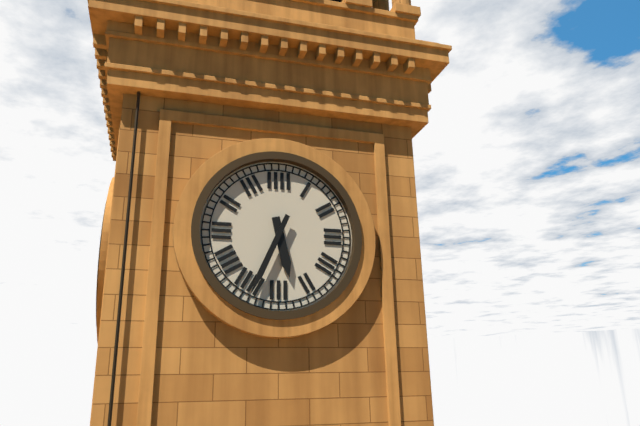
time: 5:34
